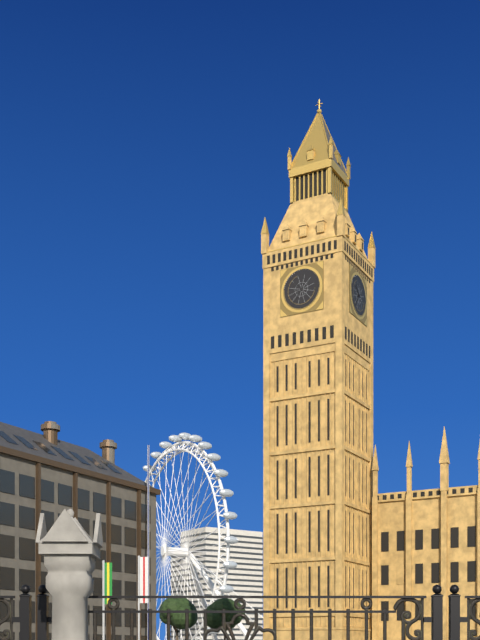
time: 10:36
